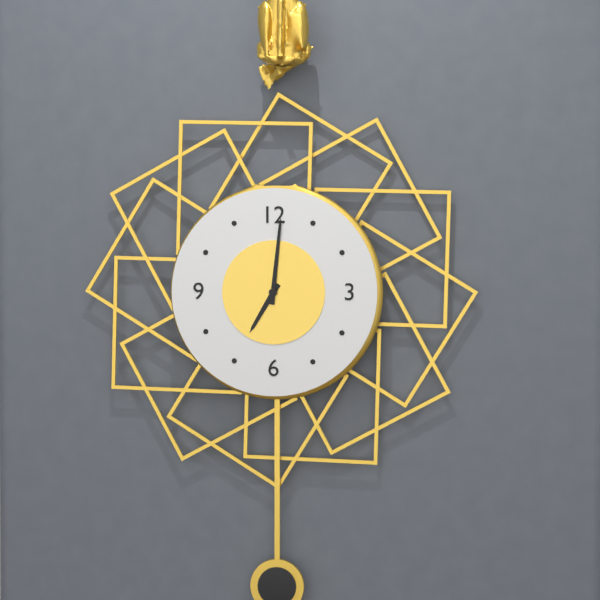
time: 7:01
